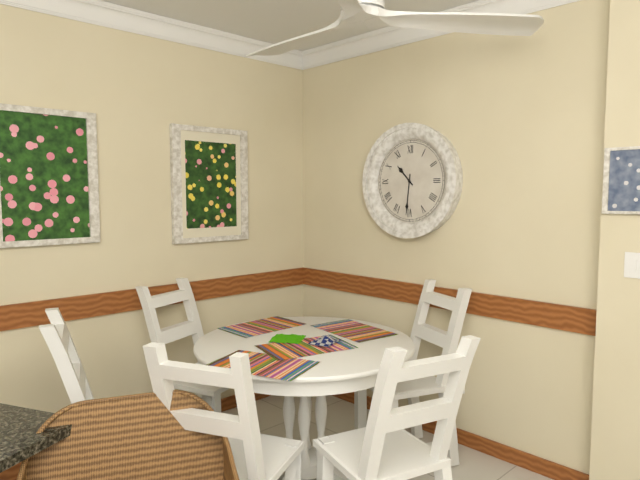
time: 10:31
